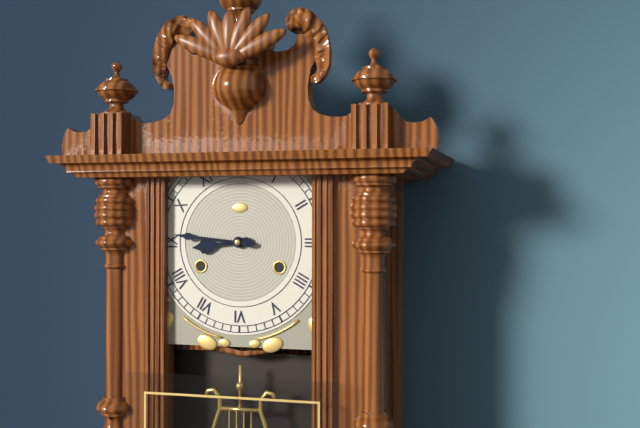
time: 8:46
